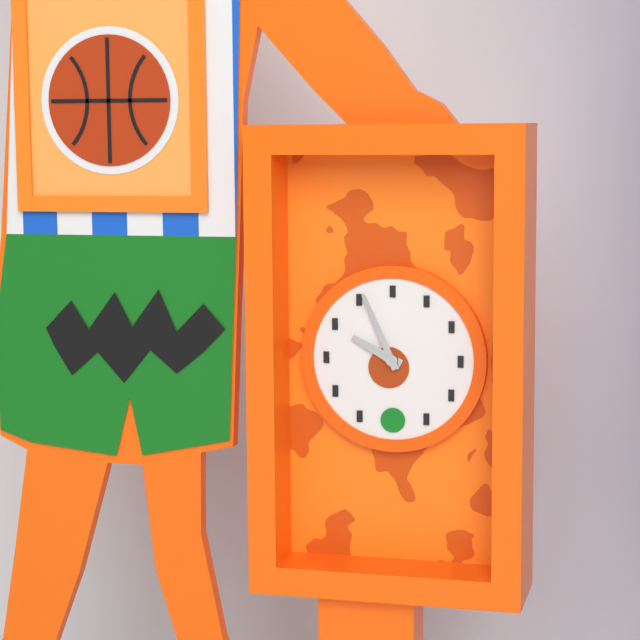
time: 9:56
